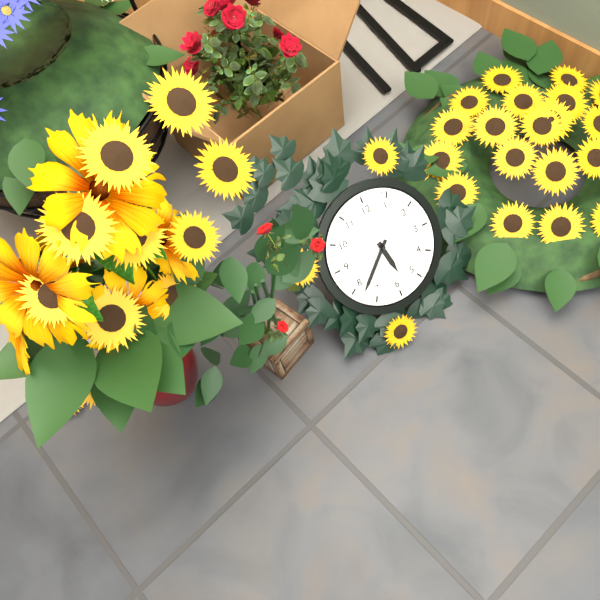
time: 5:38
